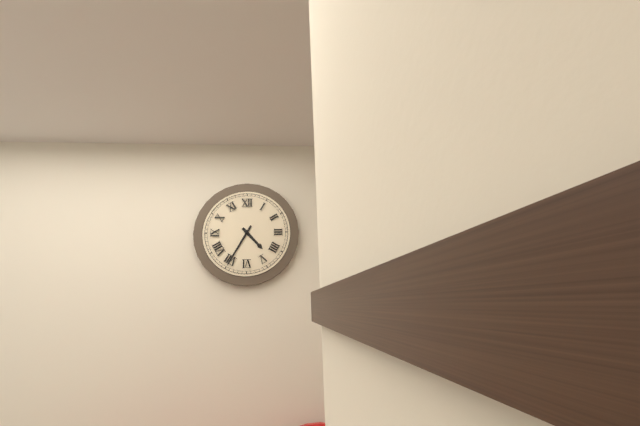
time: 4:35
